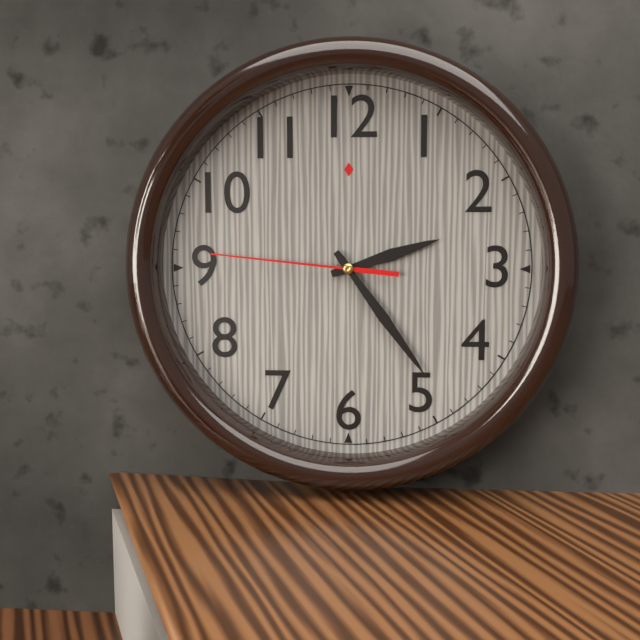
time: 2:24:46
